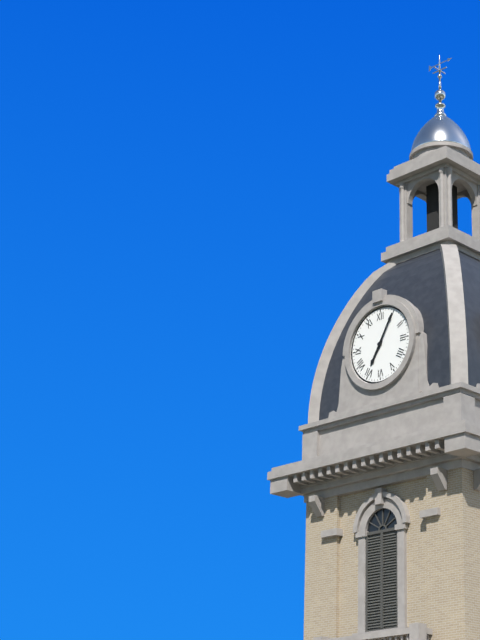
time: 7:05
